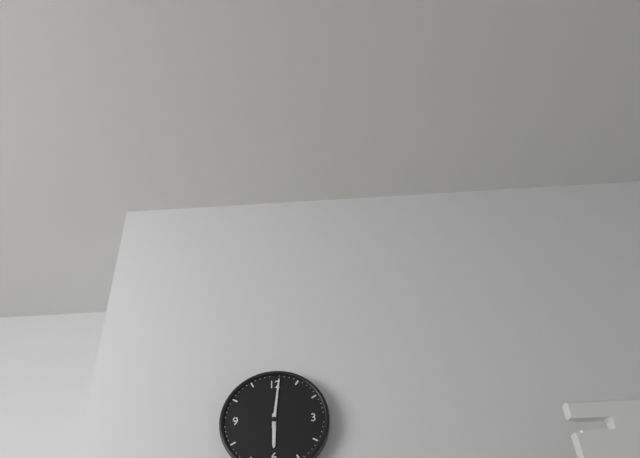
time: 6:01
